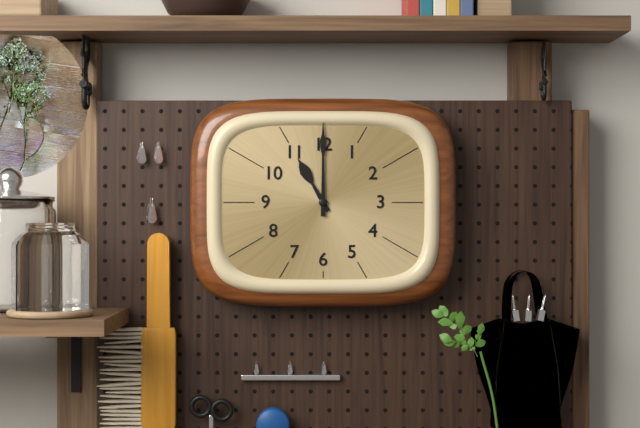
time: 11:00
